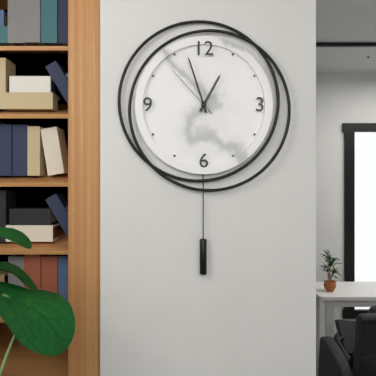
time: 12:57:53
